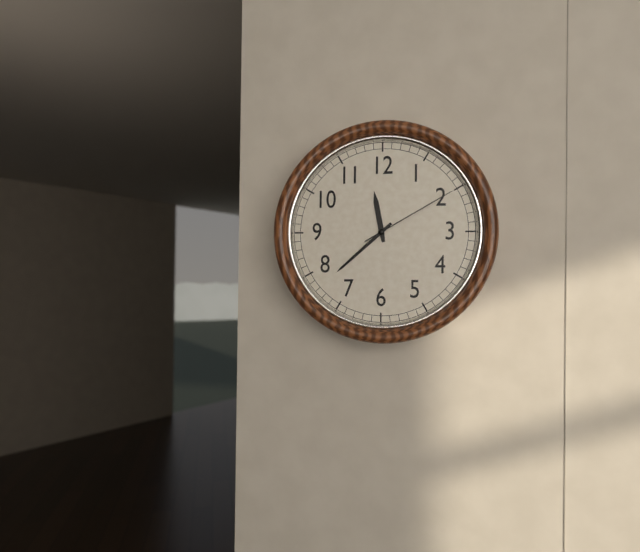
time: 11:38:10
